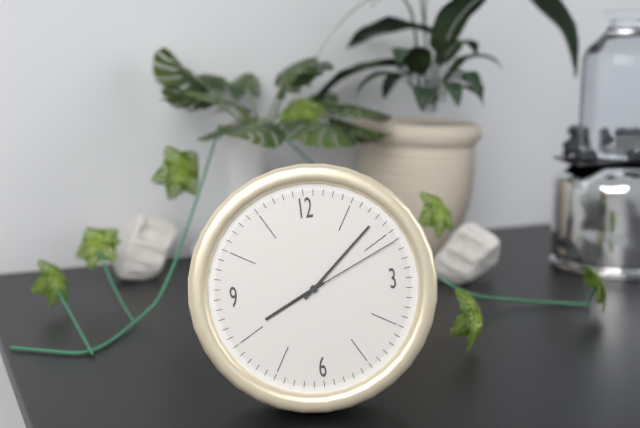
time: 8:08:11
